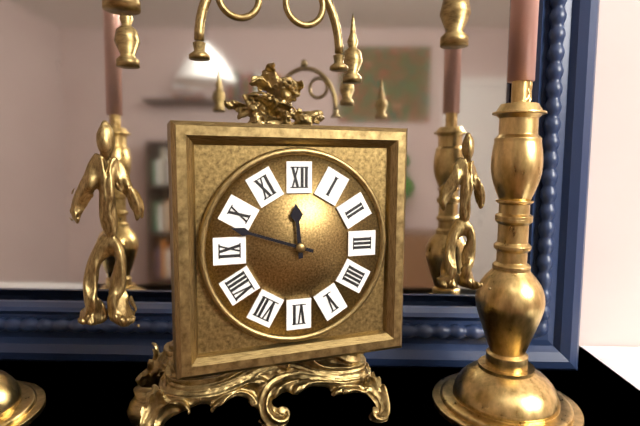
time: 11:48
